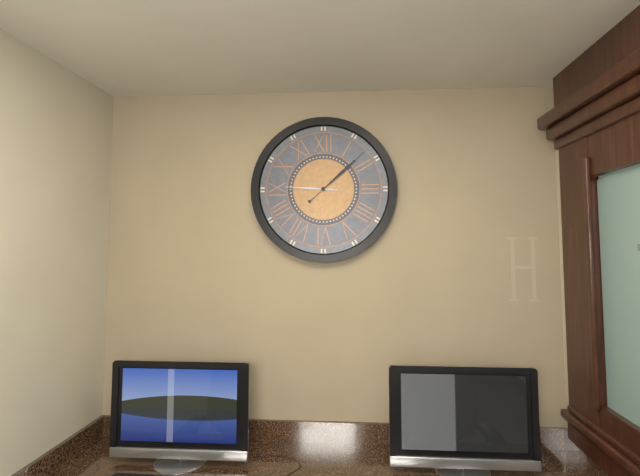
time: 9:08
